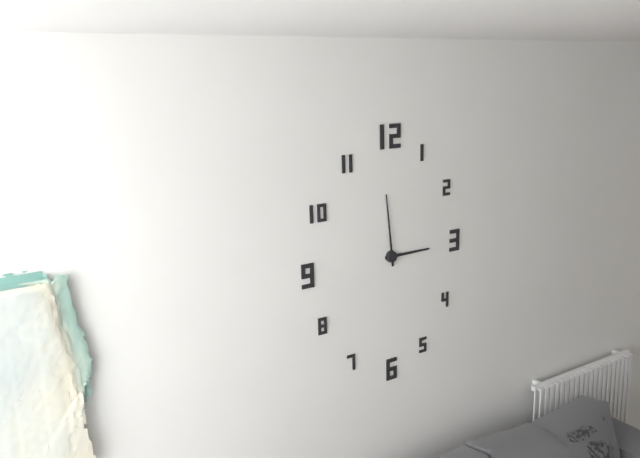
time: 2:59
